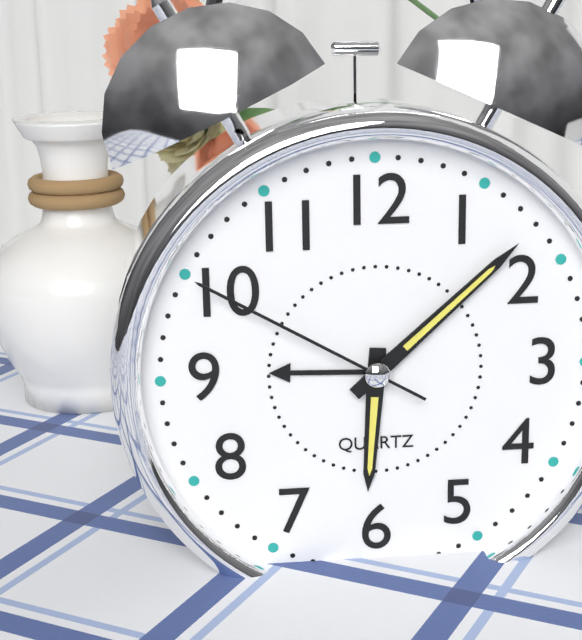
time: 6:08:50
